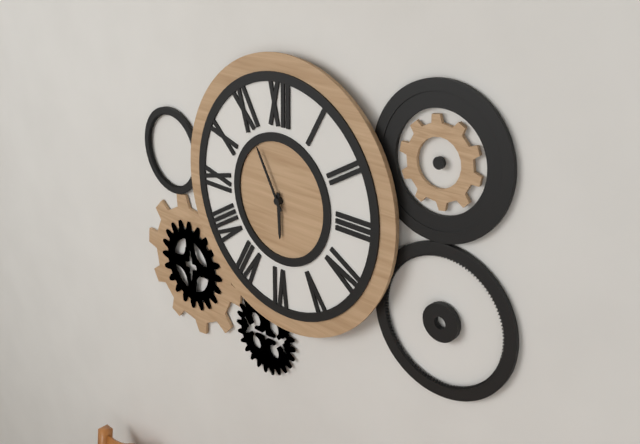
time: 5:55
